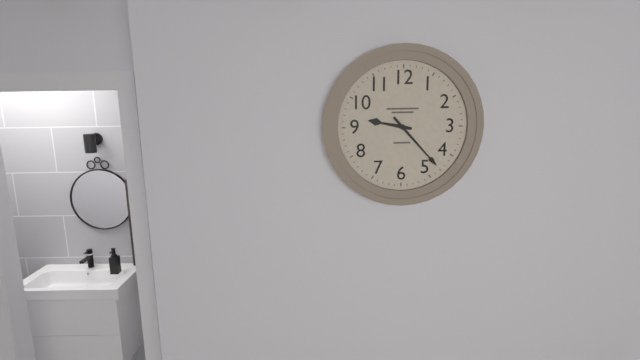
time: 9:23
